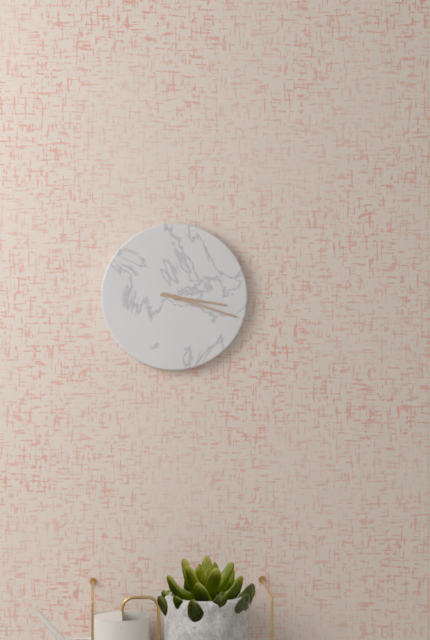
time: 3:18
